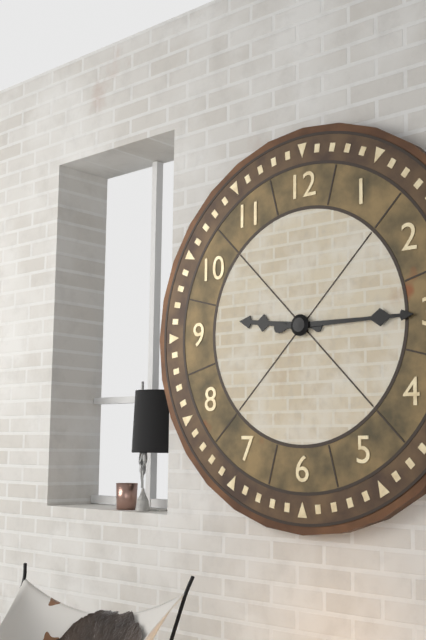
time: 9:15
